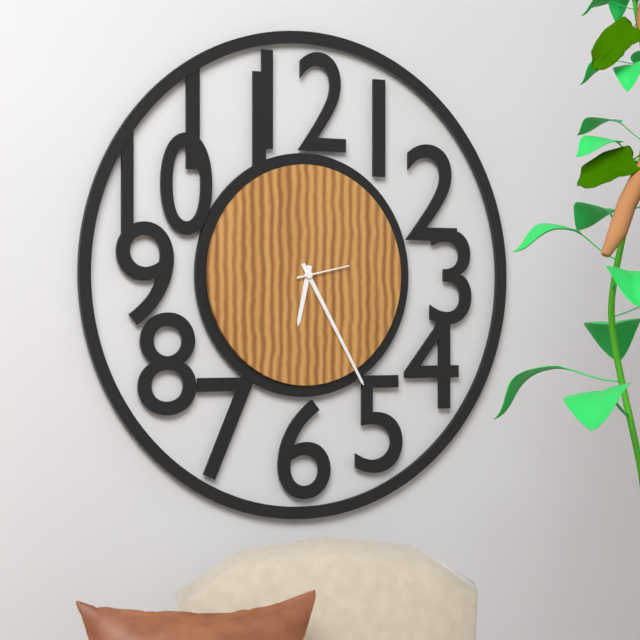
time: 6:25:13
